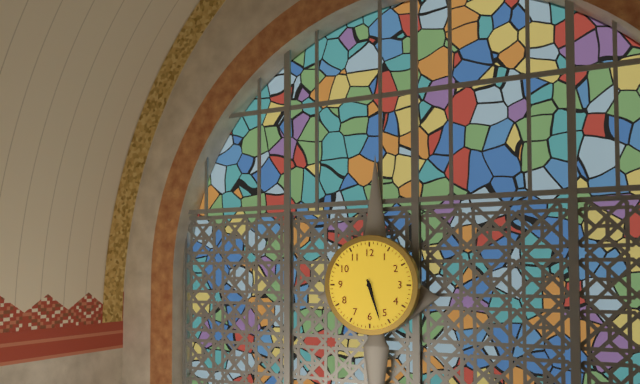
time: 5:27
